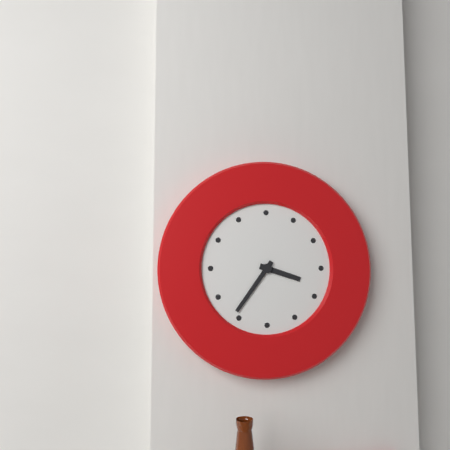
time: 3:36
